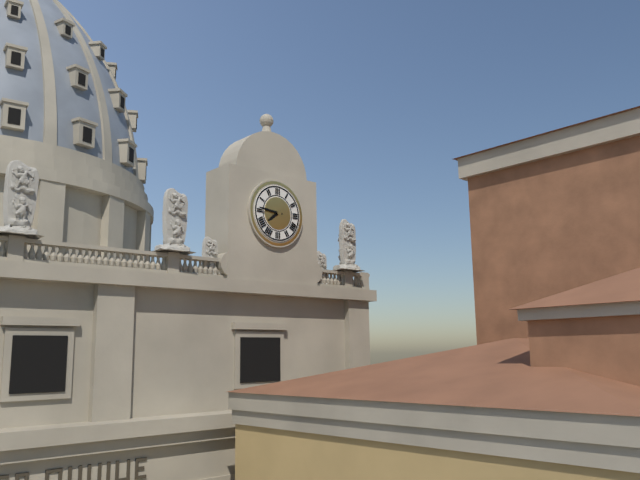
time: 7:46
